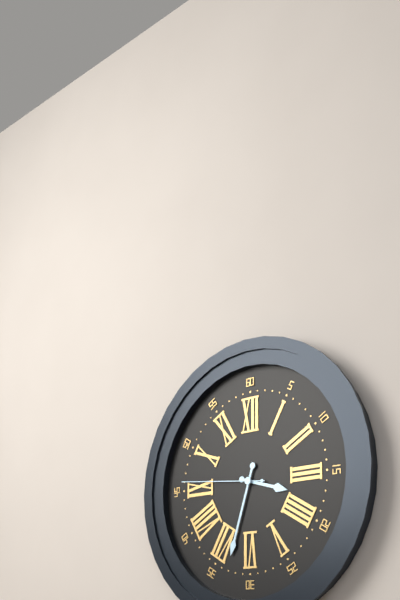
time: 3:33:46
